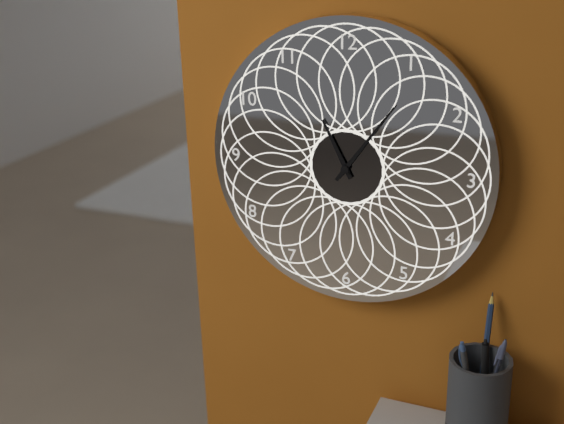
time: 11:06
